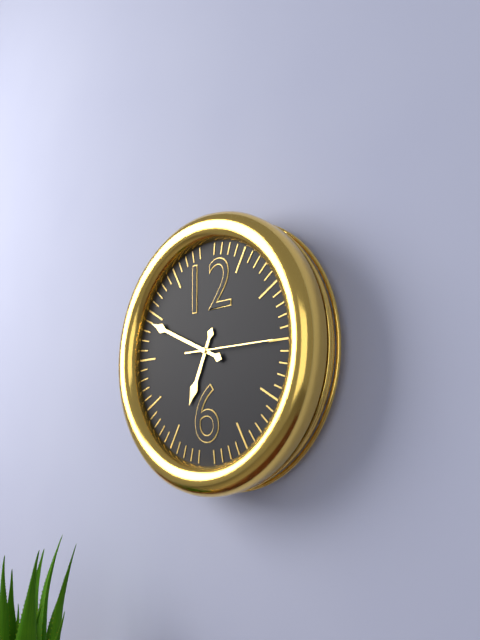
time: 6:49:15
